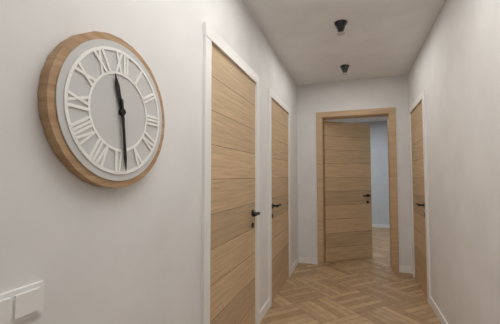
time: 11:29
